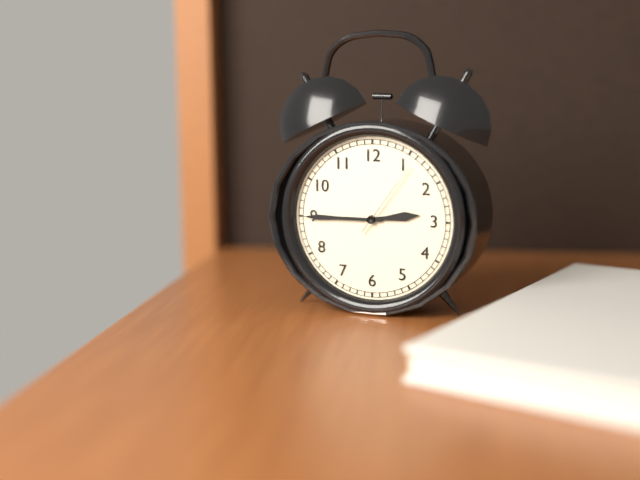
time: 2:45:06
